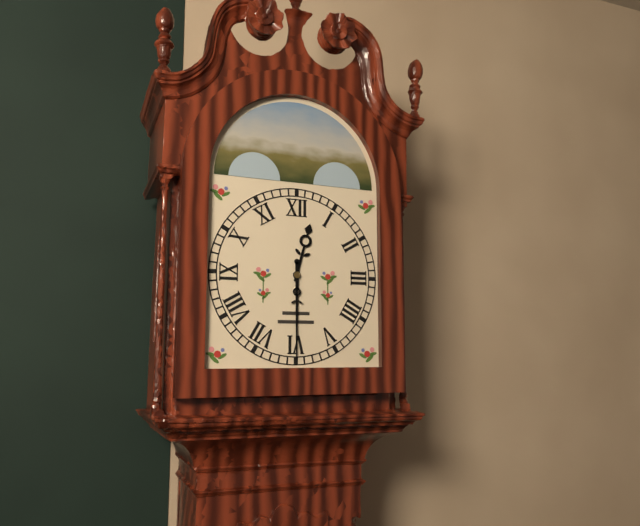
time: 12:30
